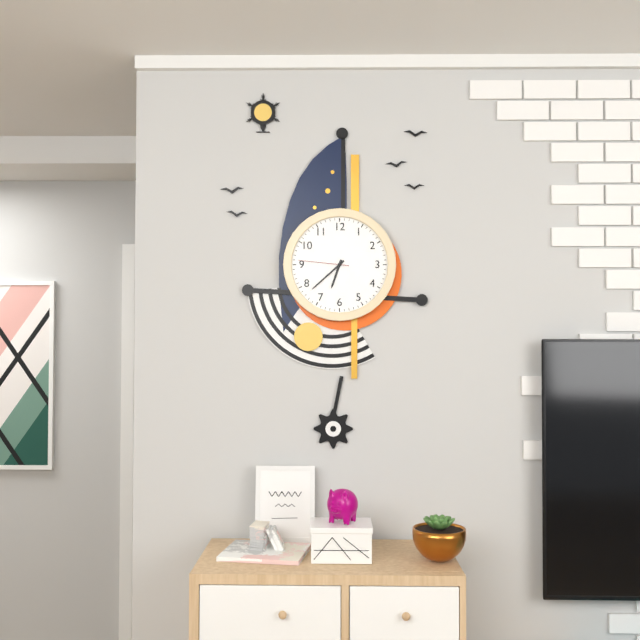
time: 6:38:46
